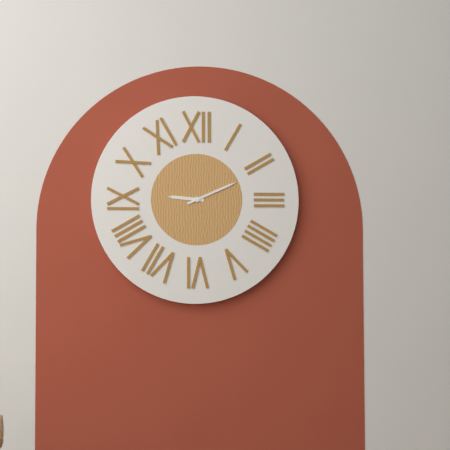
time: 9:11
